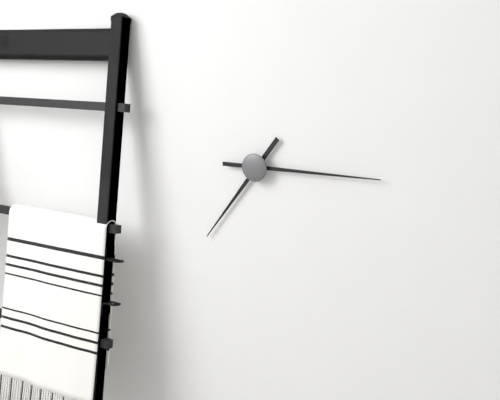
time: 7:15
